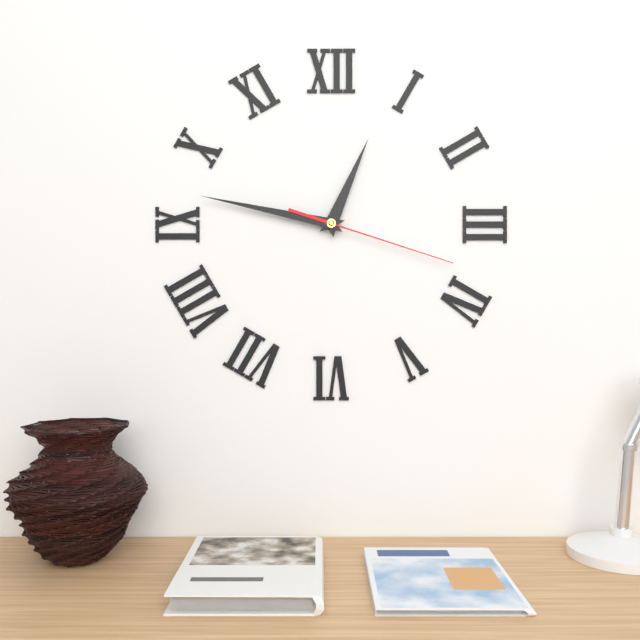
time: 12:47:18
